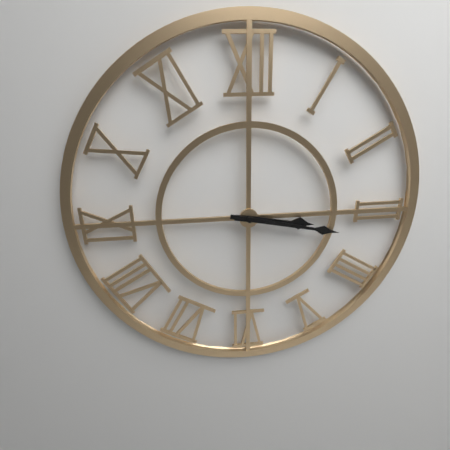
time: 3:17
